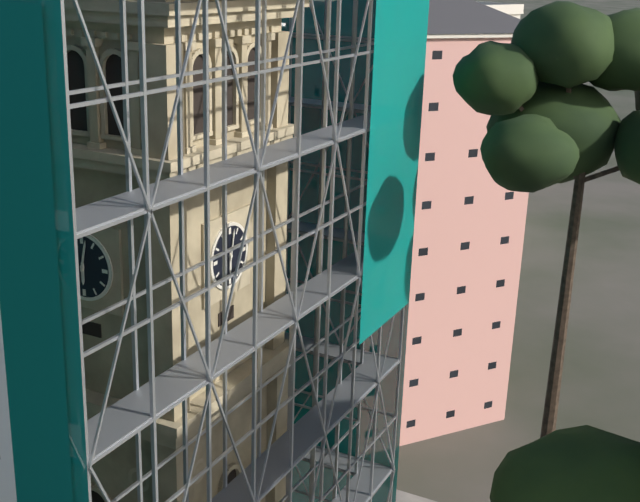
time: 6:02
